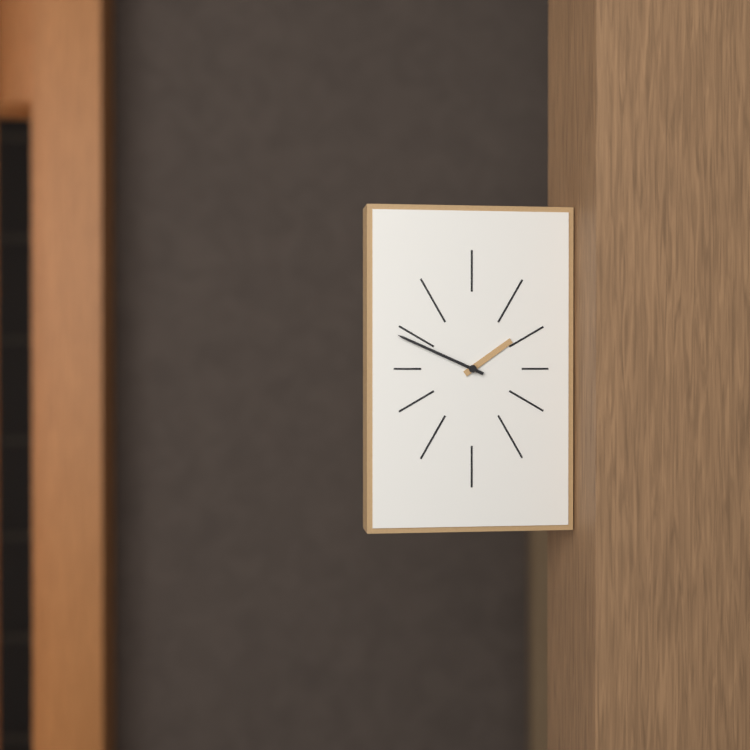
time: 1:49
